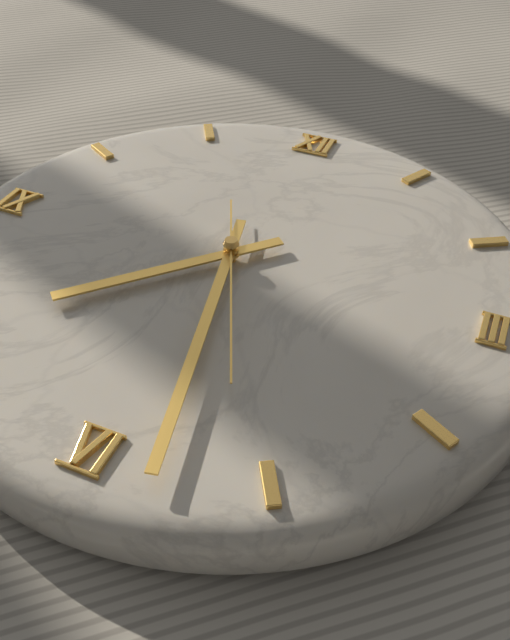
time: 7:28:26
